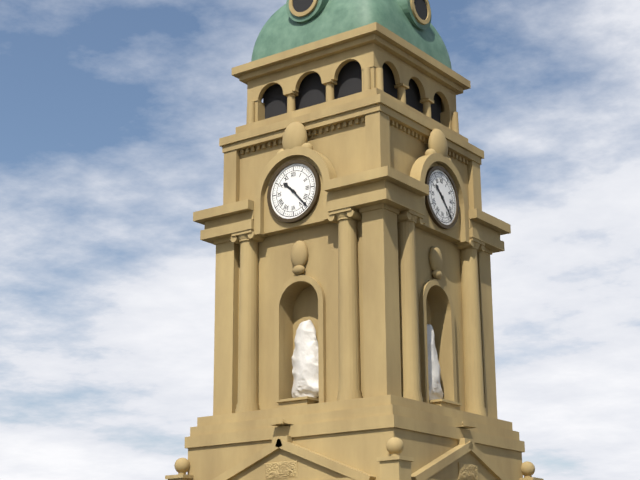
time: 10:23
